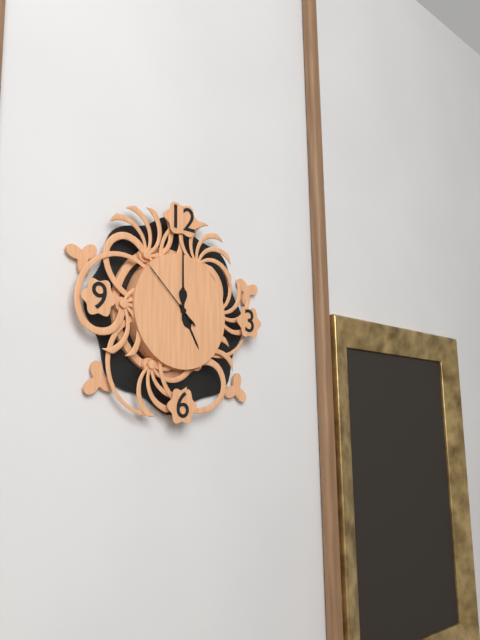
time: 5:00:52
